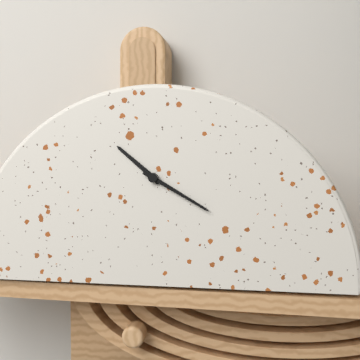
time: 10:20
